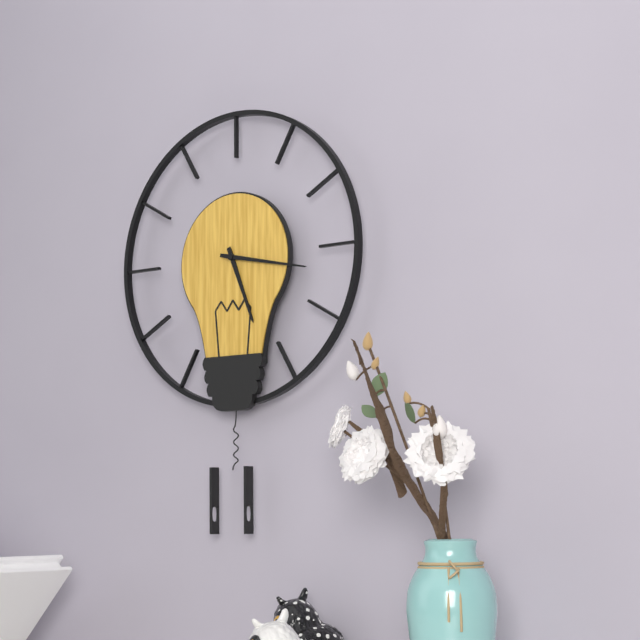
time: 5:17
